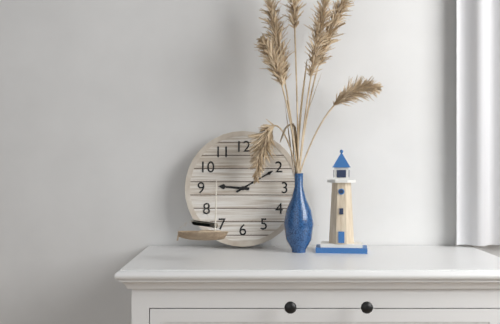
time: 9:10
